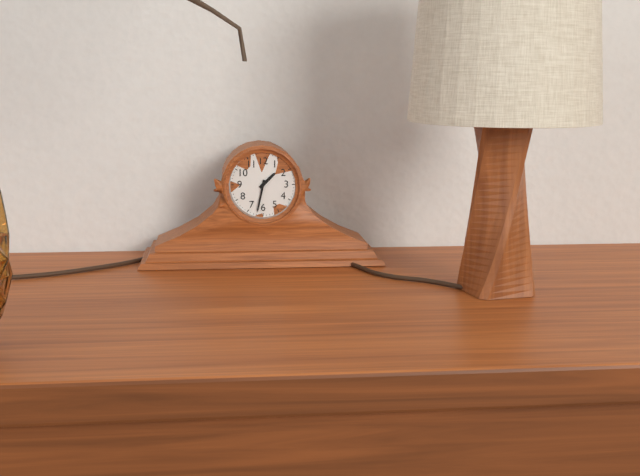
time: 1:32
